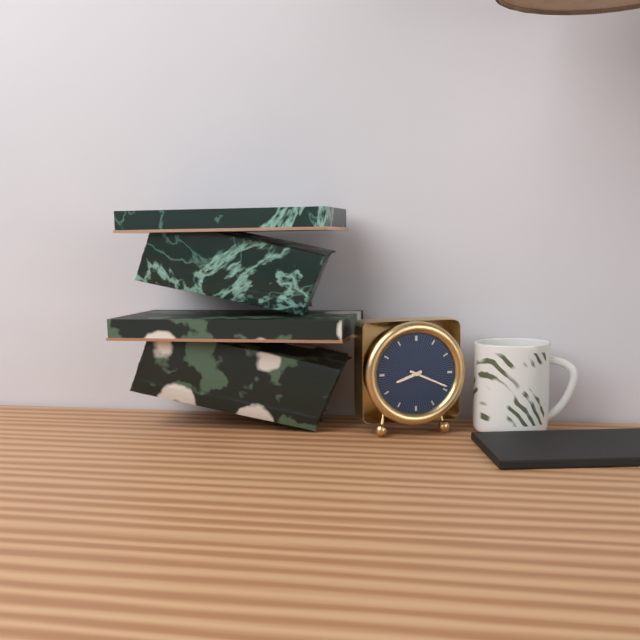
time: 8:19
